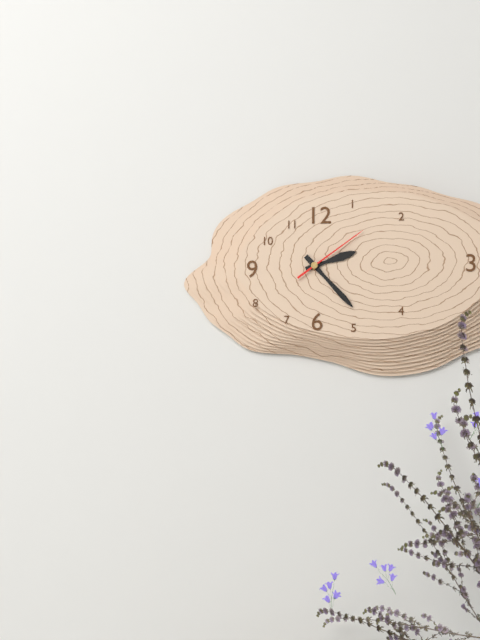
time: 2:23:09
